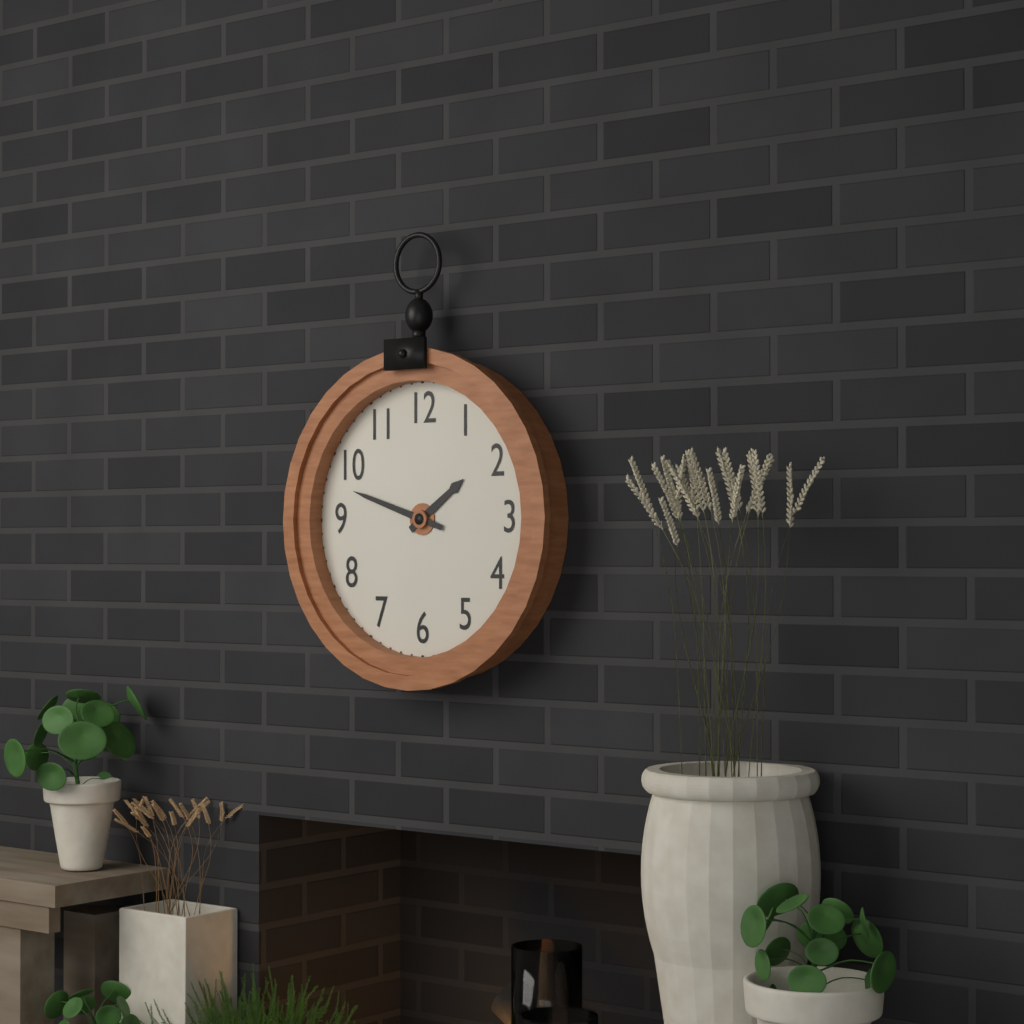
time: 1:48
